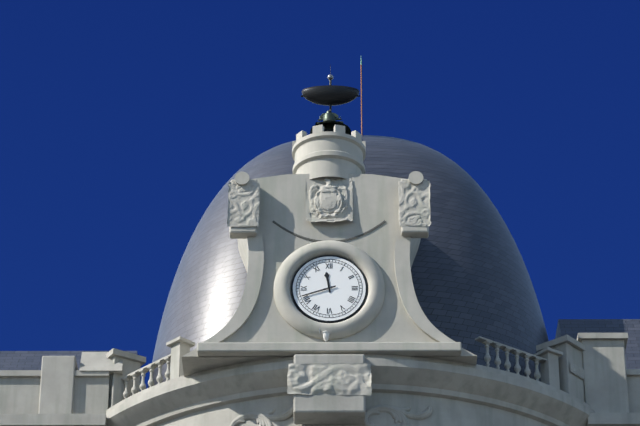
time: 11:42
